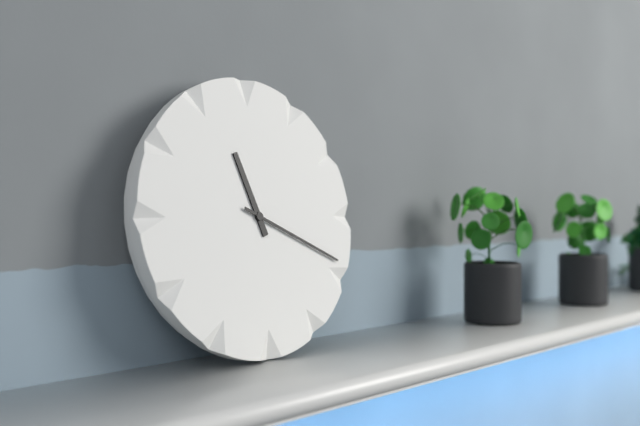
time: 11:19
